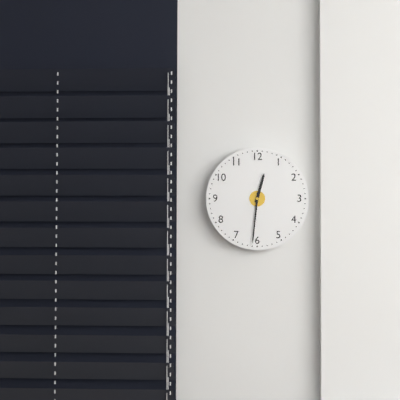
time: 12:31
